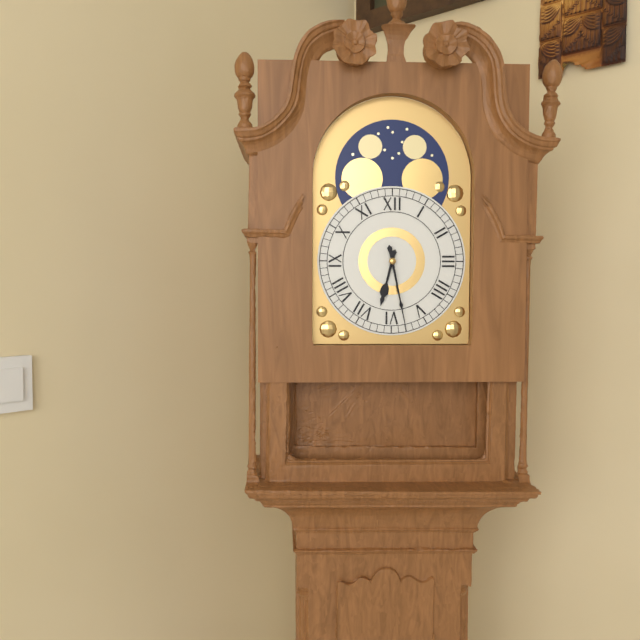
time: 6:28
